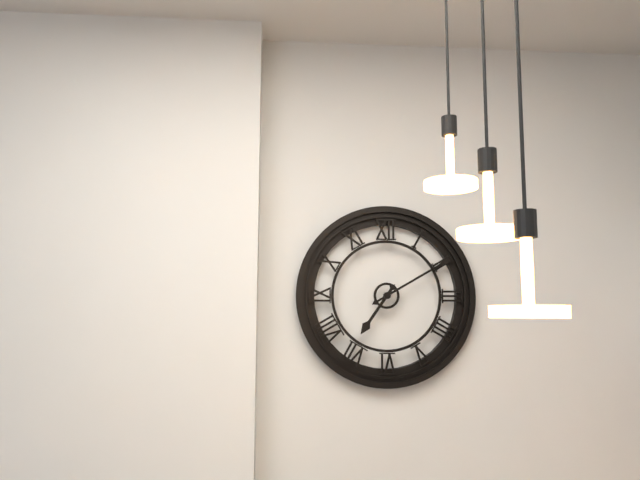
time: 7:10
